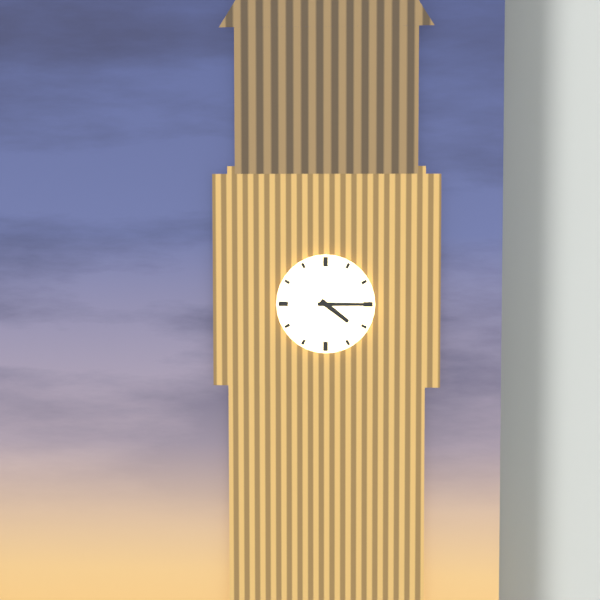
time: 4:15
